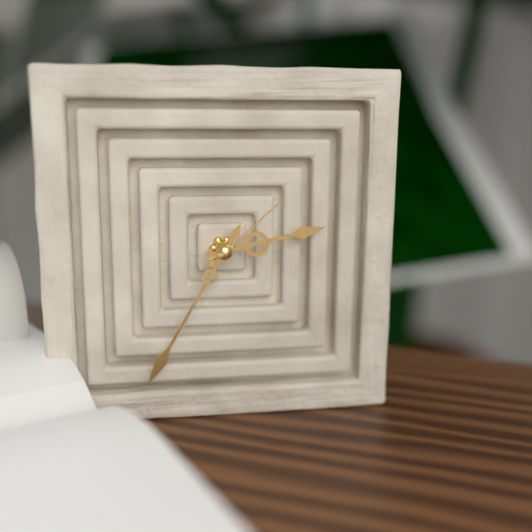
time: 2:35:08
